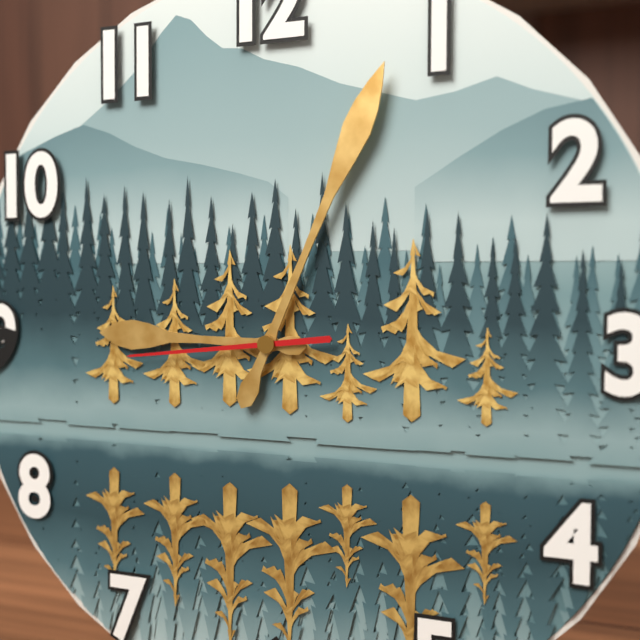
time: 9:04:44
